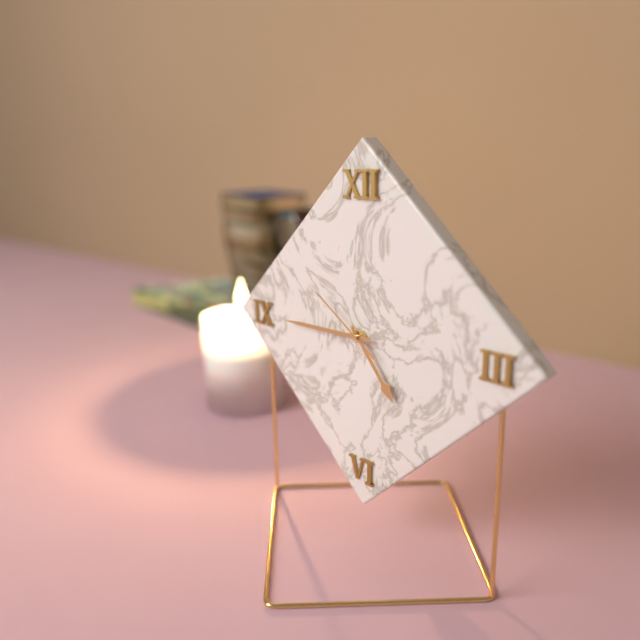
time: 4:45:51
